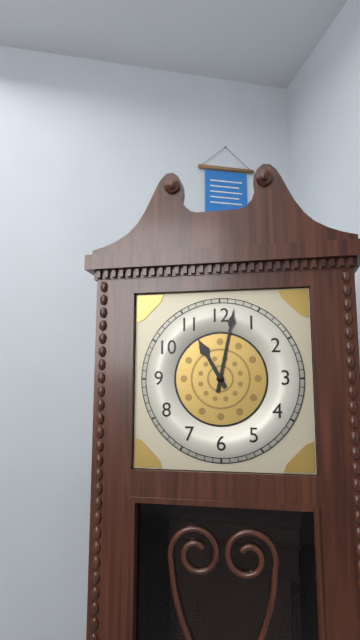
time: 11:02
